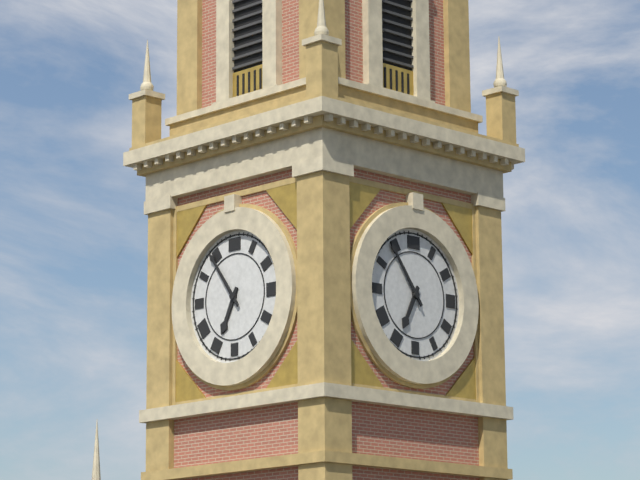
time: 6:54
